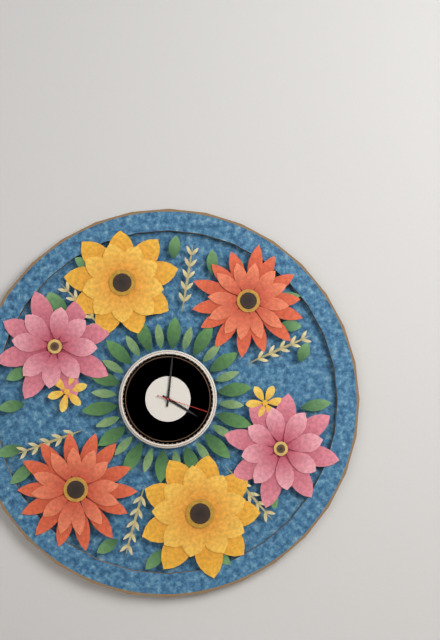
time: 4:01:18
